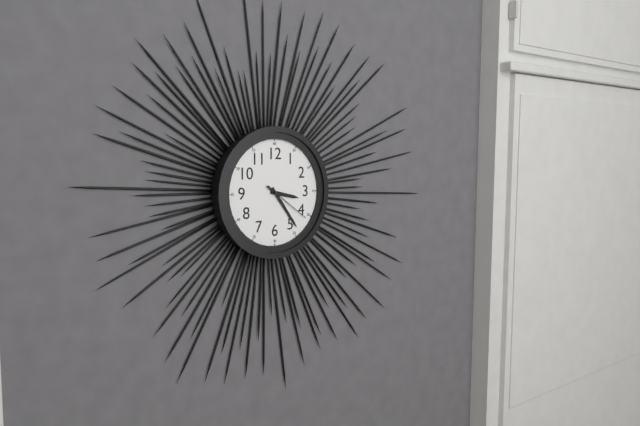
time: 3:24
